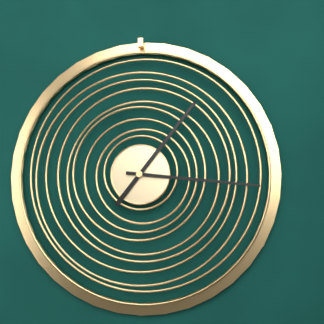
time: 1:16
